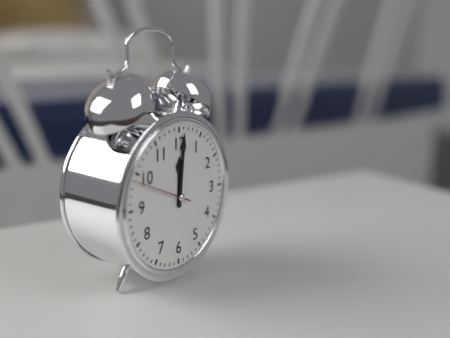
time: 12:01:49
